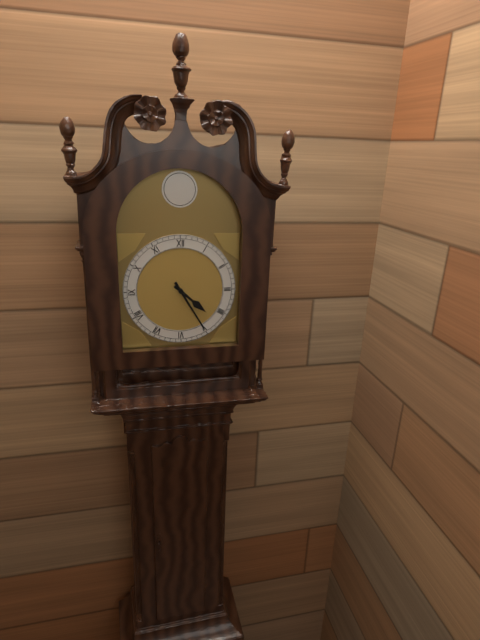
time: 4:25
